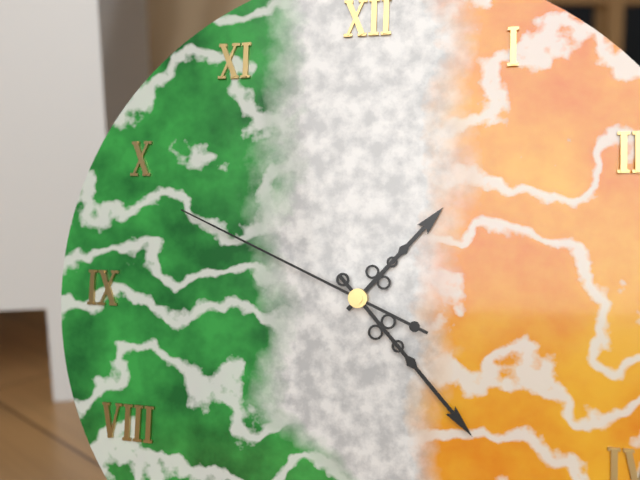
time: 1:23:49
